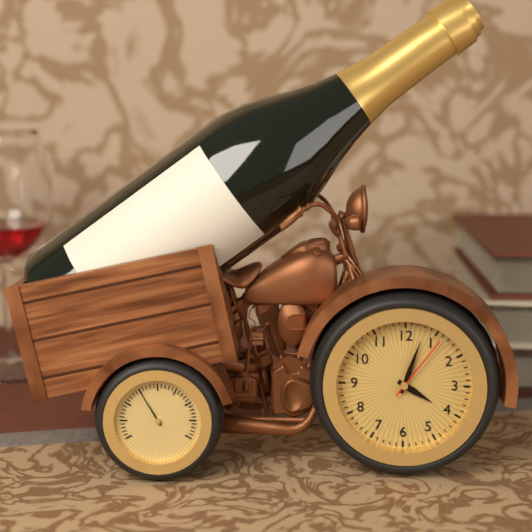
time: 4:03:06
